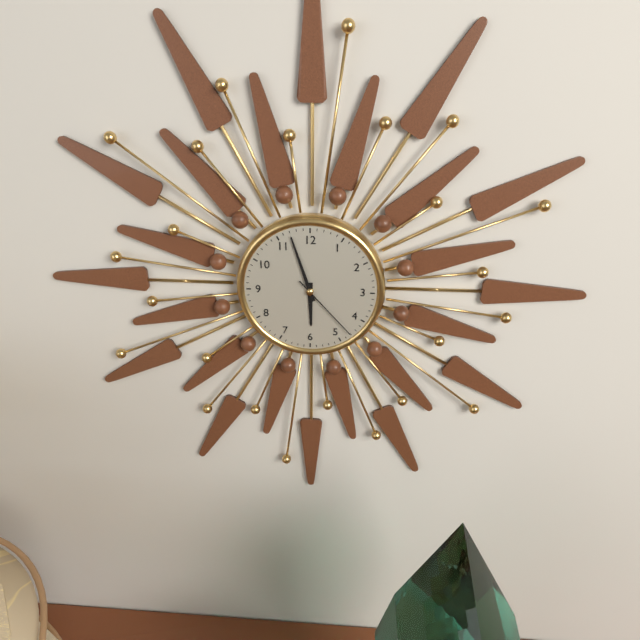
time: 5:57:23
